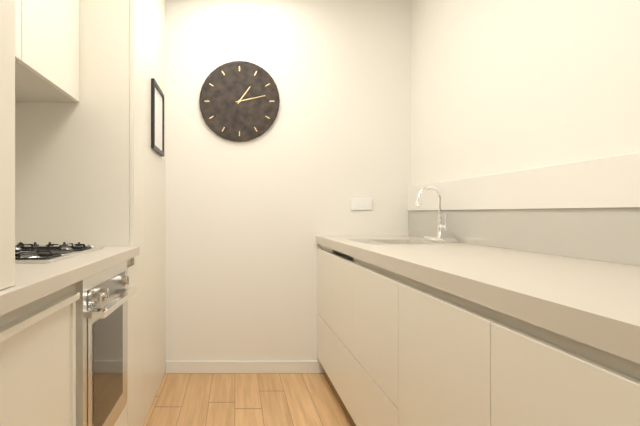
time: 1:13
